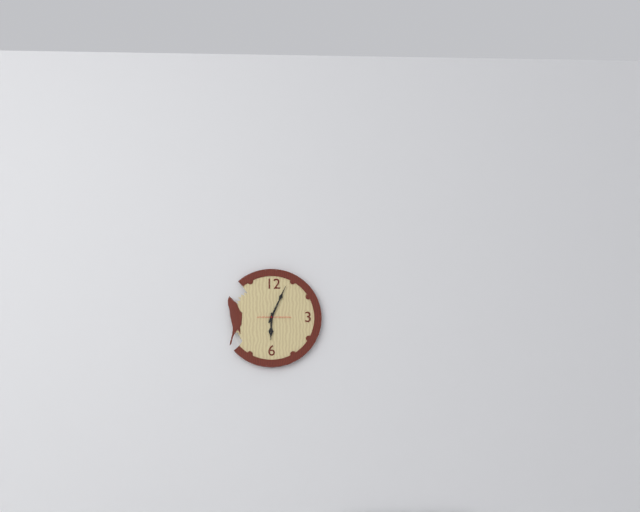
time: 6:04
